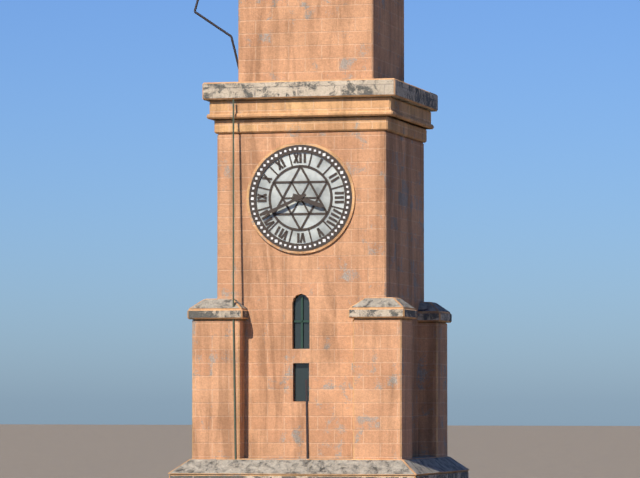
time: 3:41
